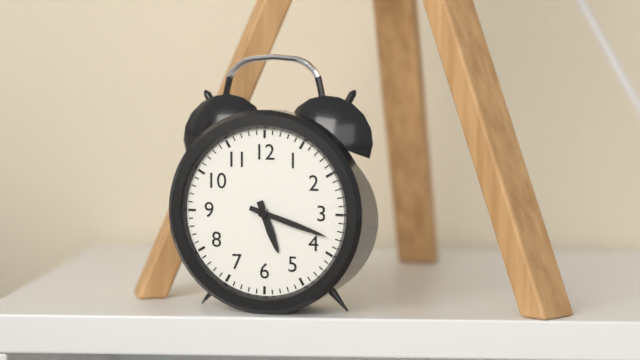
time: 5:18
